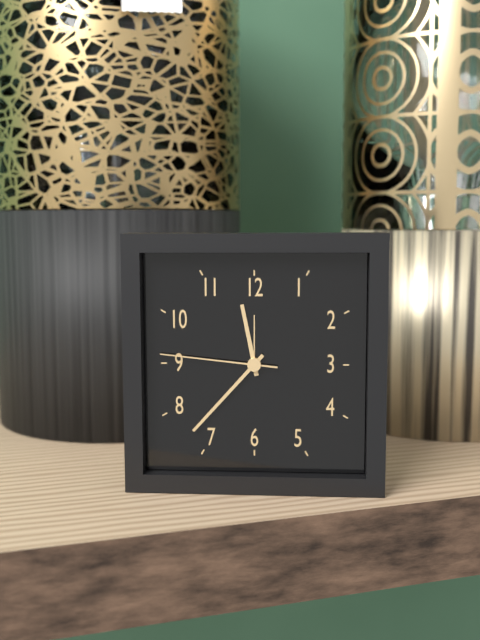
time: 11:37:46
